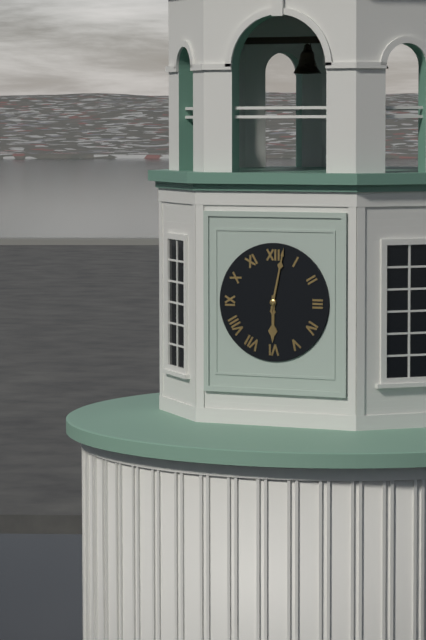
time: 6:02
